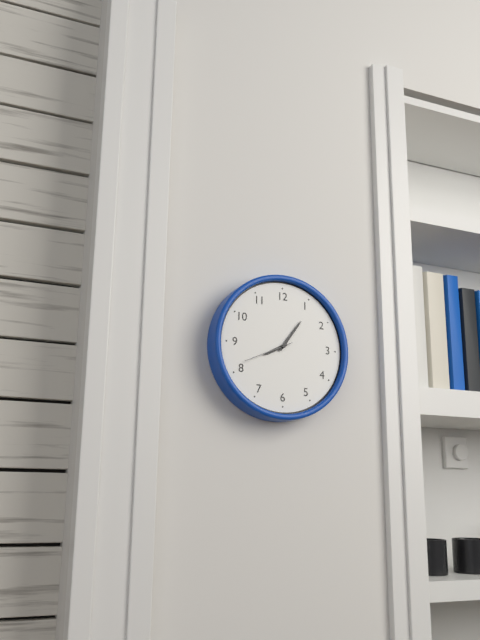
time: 8:06:41
